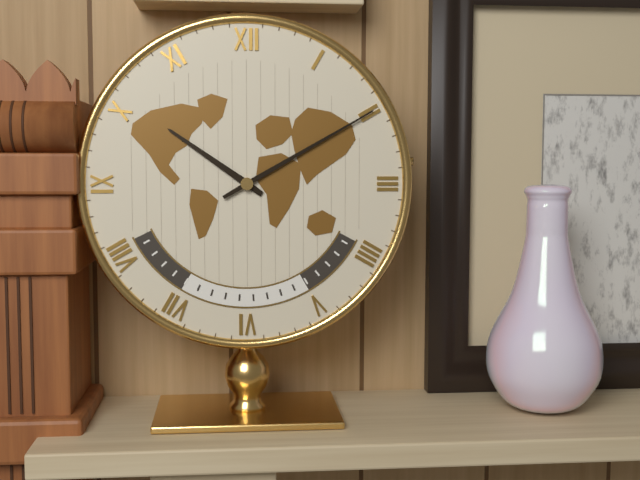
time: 10:10
